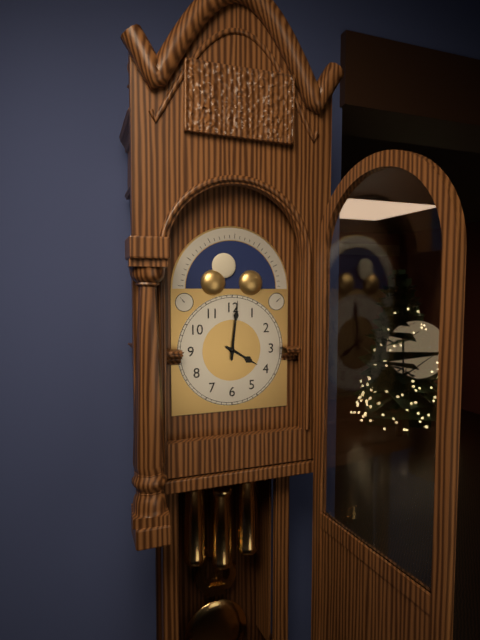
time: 4:01
